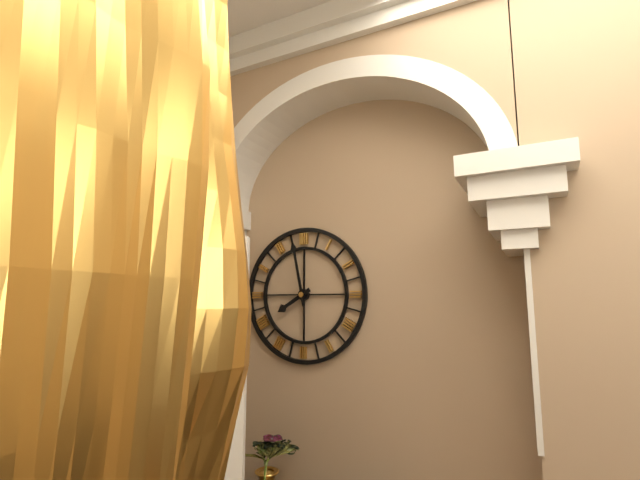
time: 7:58
